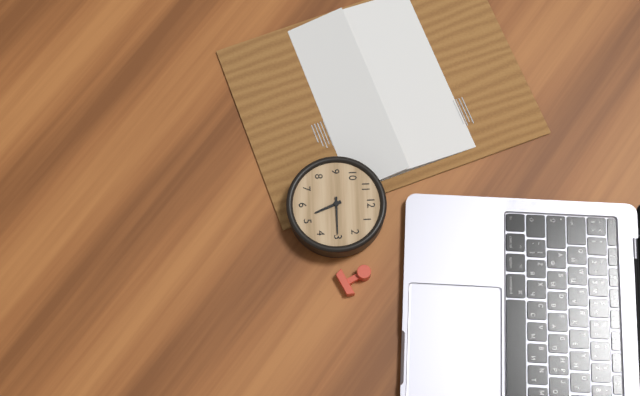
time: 5:15
